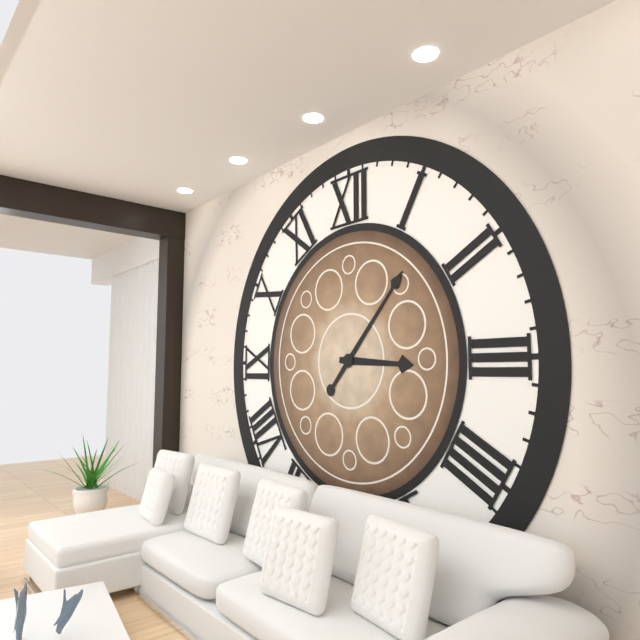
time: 3:07
